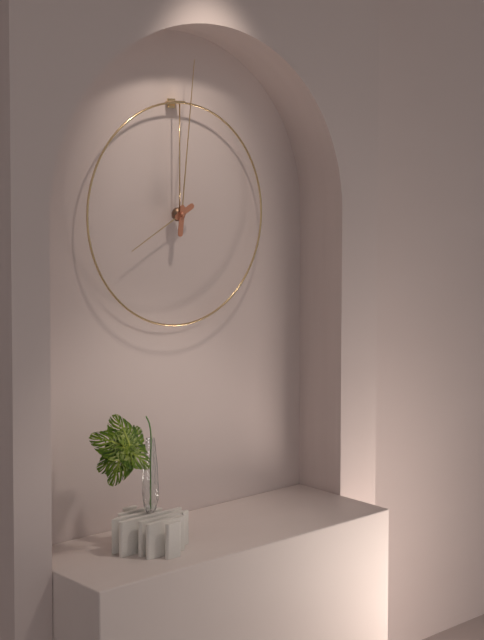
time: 8:01
